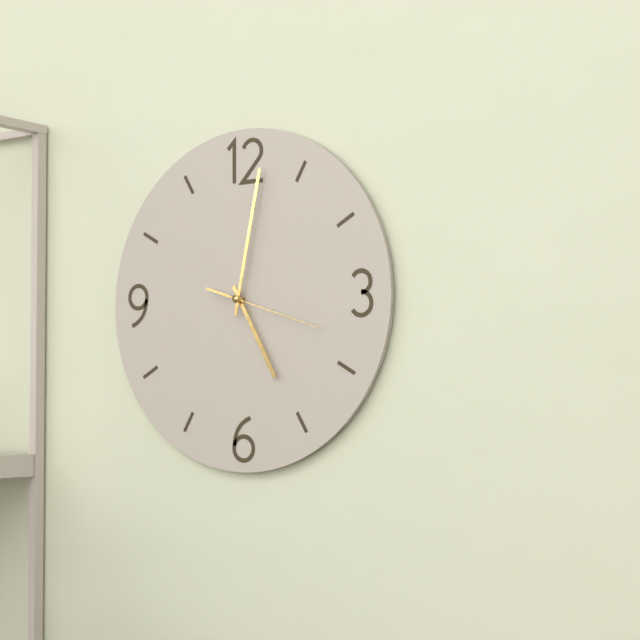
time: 5:02:18
